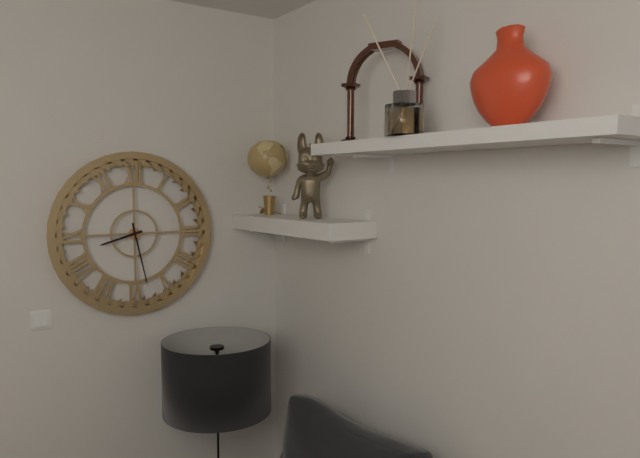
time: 8:28
